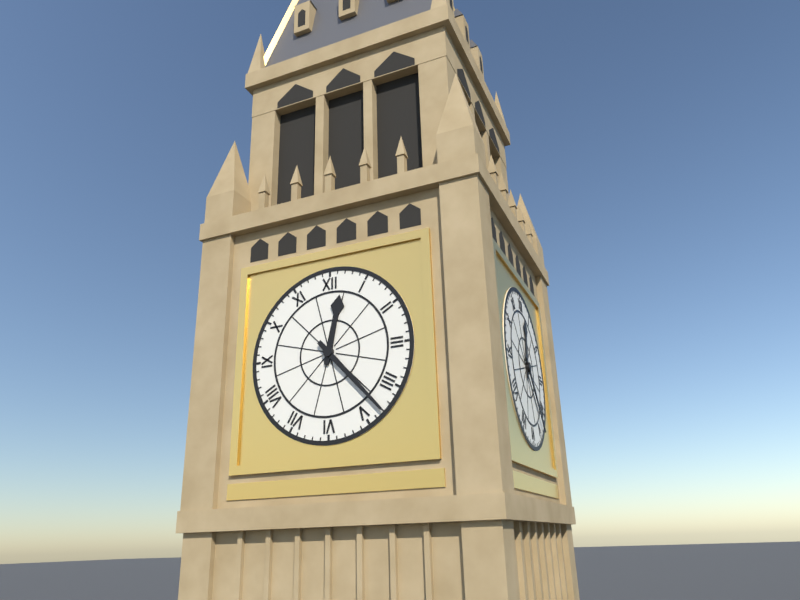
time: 12:23
